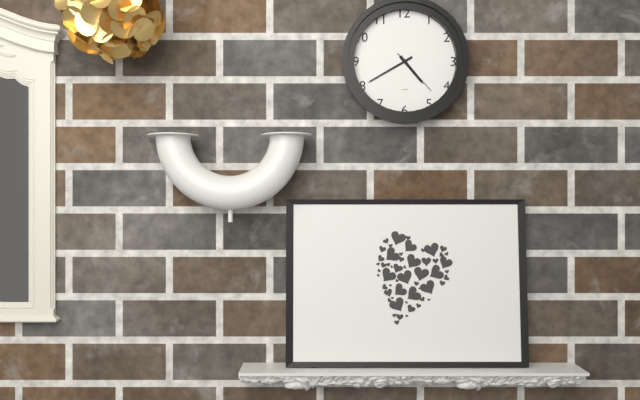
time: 4:40:23
